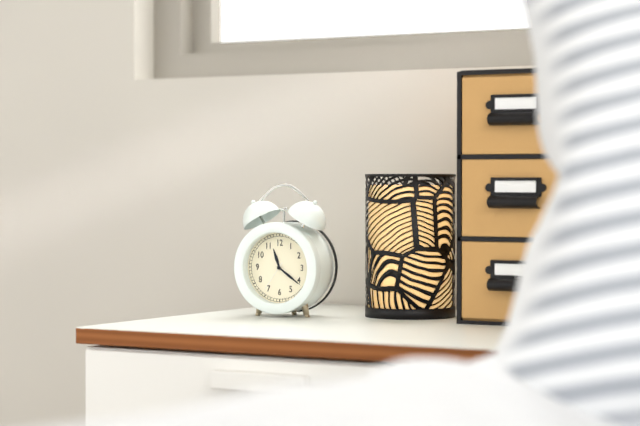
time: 11:21
